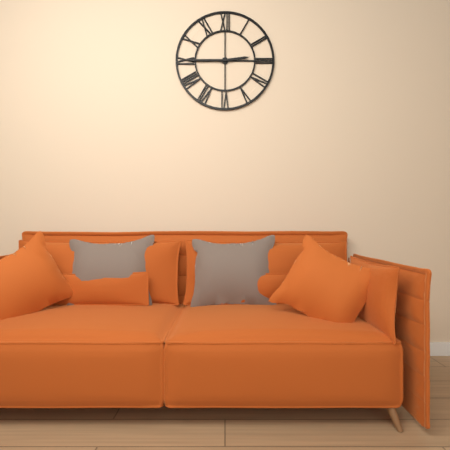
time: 2:45
